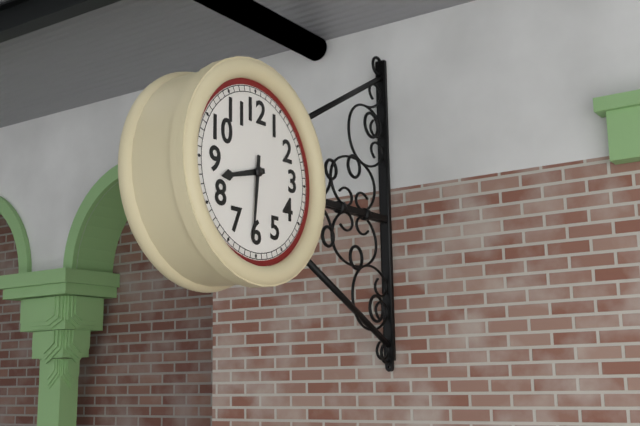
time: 8:31
